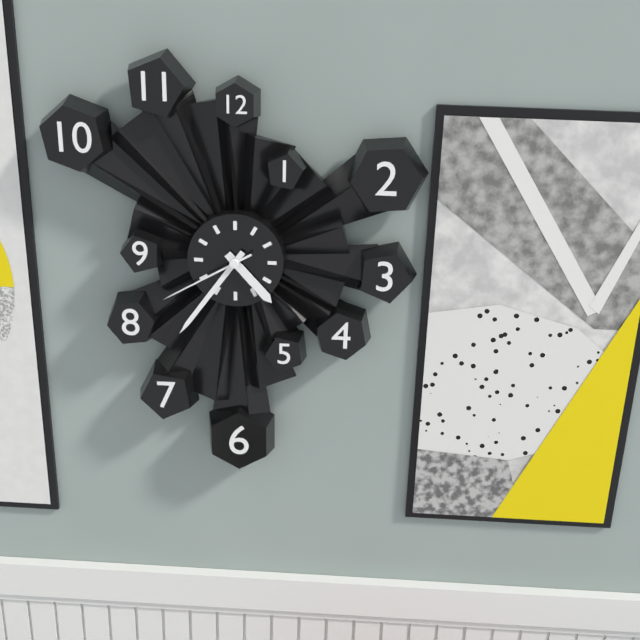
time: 4:36:40
